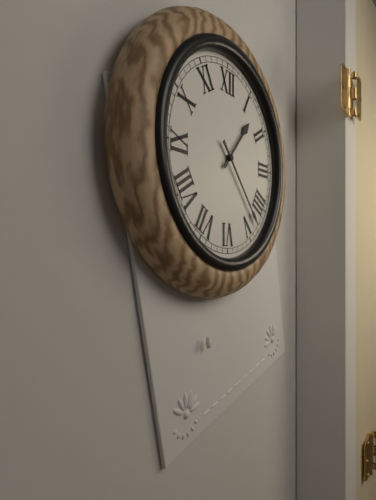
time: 1:23
